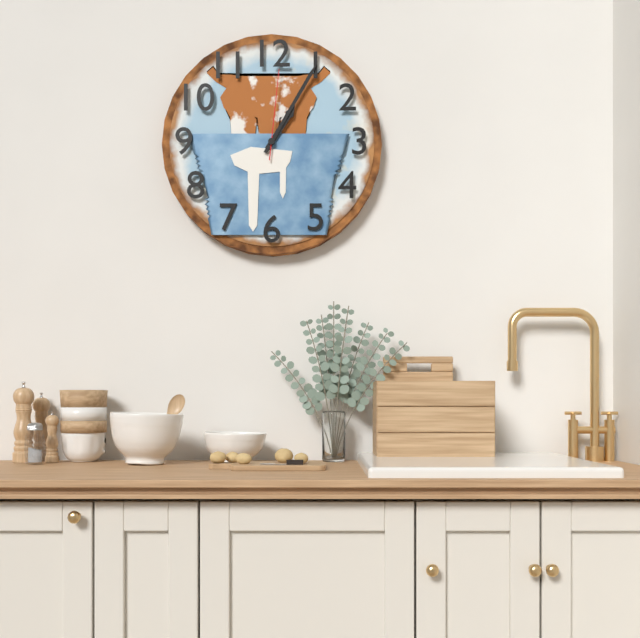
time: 1:05:01
